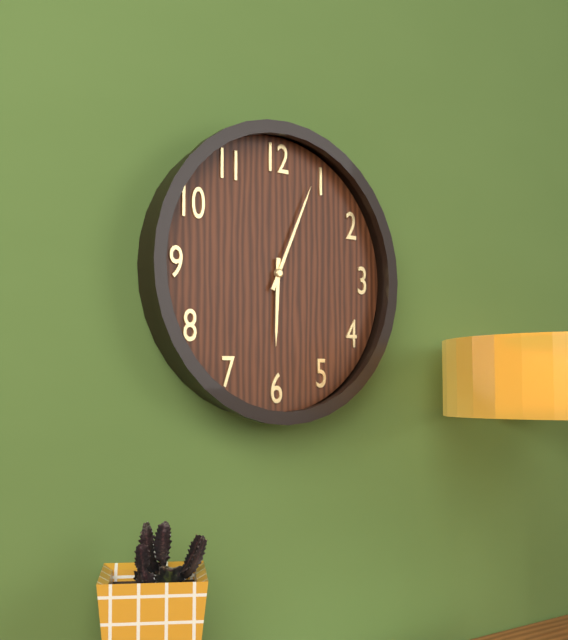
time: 6:04
